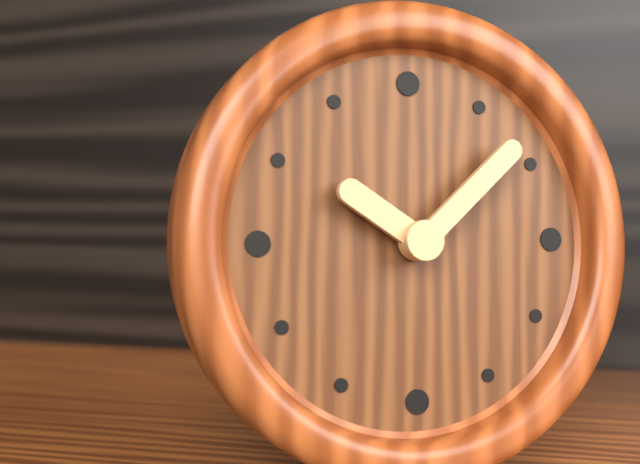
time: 10:08
